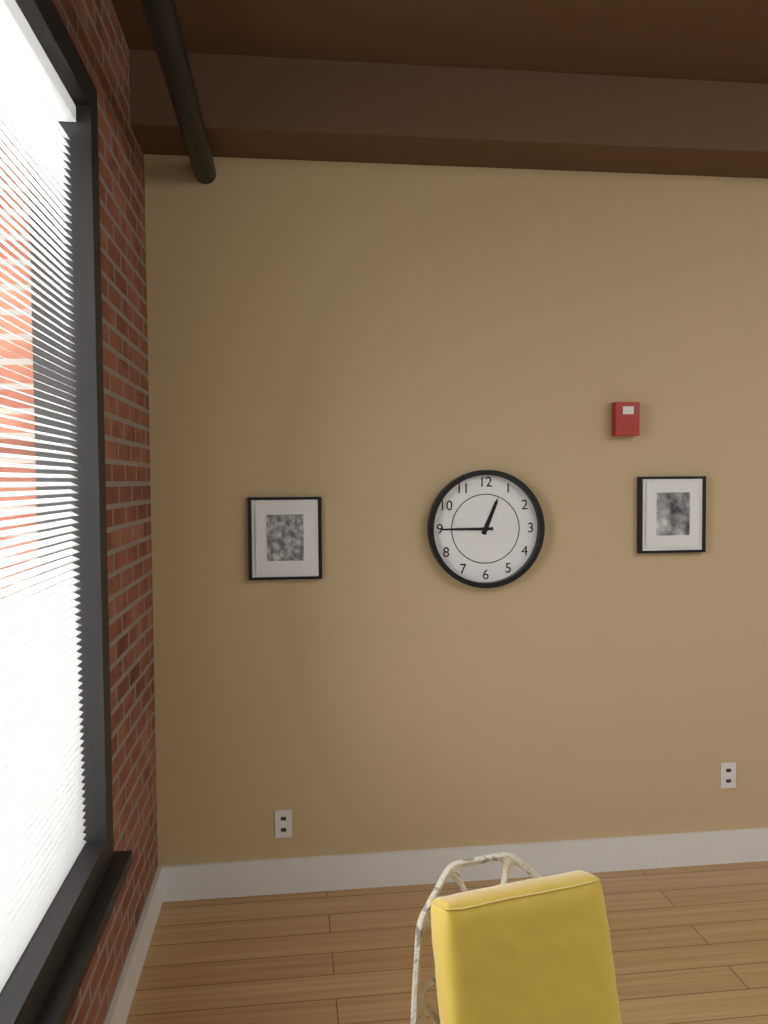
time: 12:45
